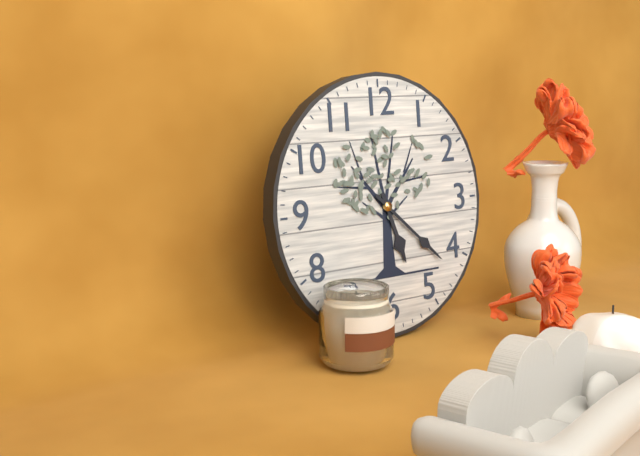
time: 5:22
